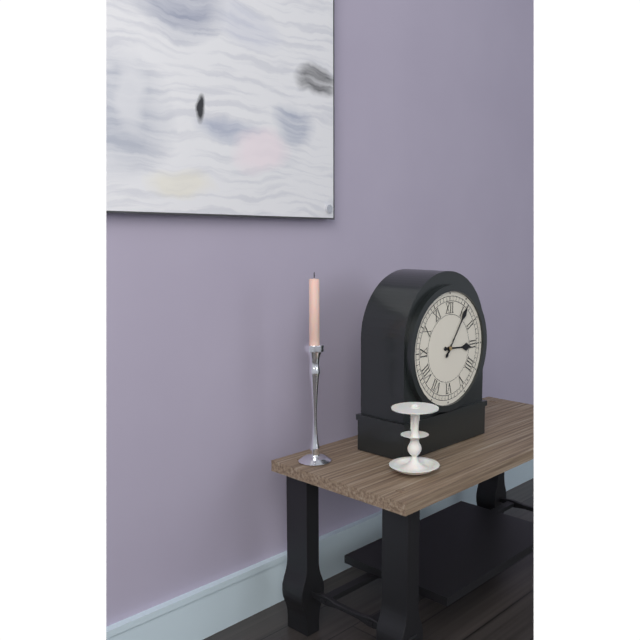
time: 3:06
